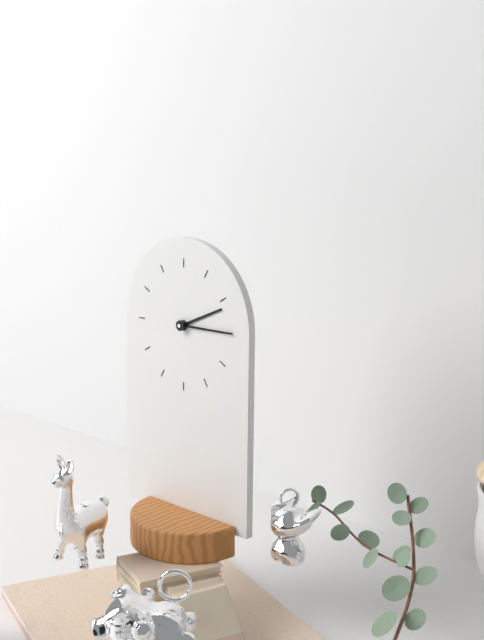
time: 2:15
